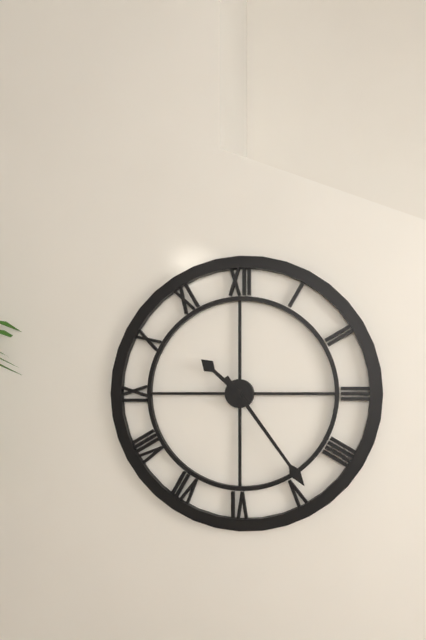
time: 10:24
